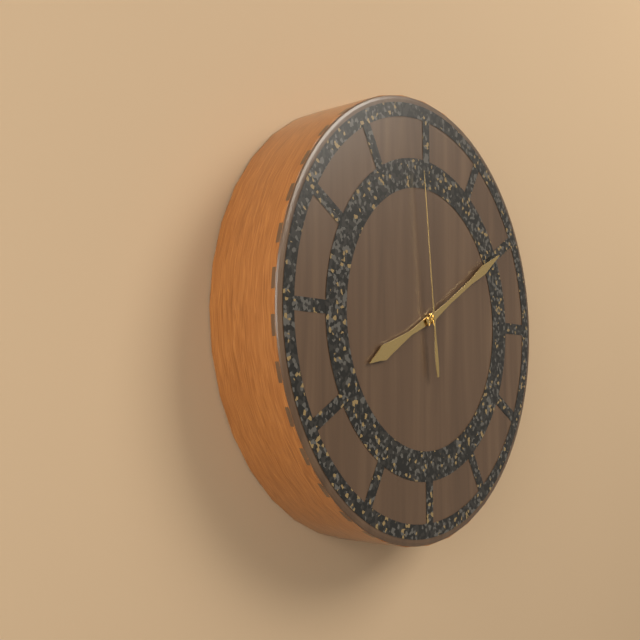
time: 8:10:59
